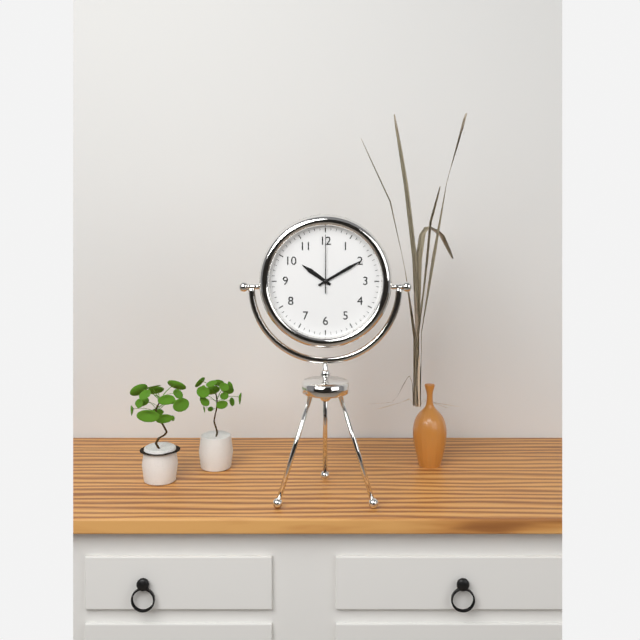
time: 10:10:00
